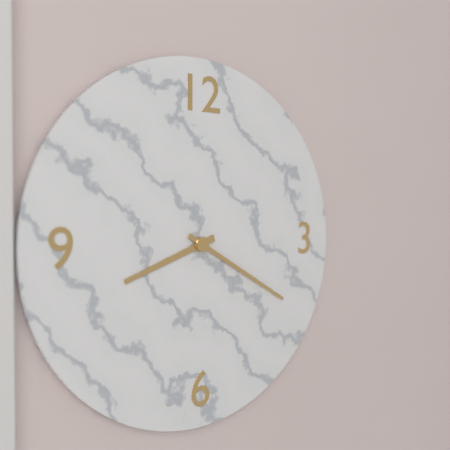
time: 8:20
